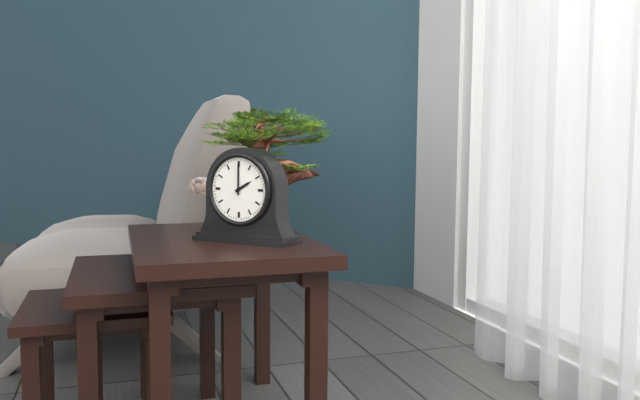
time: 2:00
